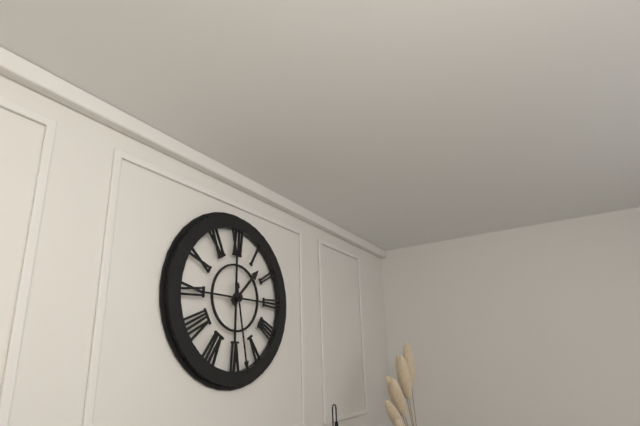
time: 1:28
